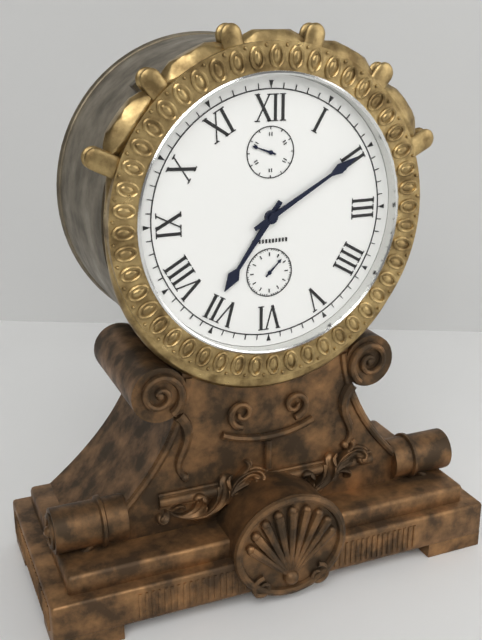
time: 7:10
